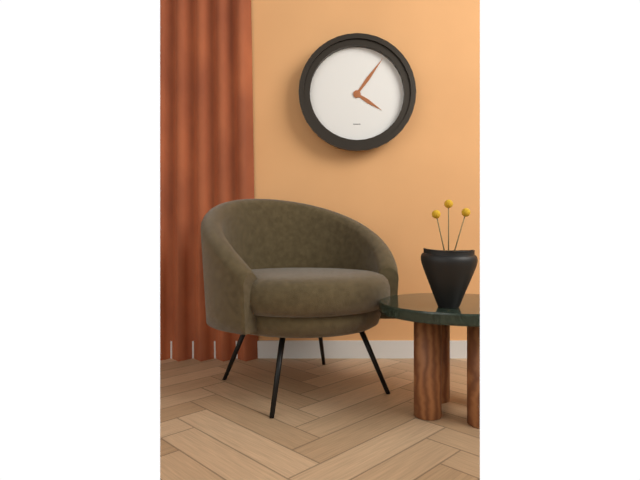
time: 4:06
